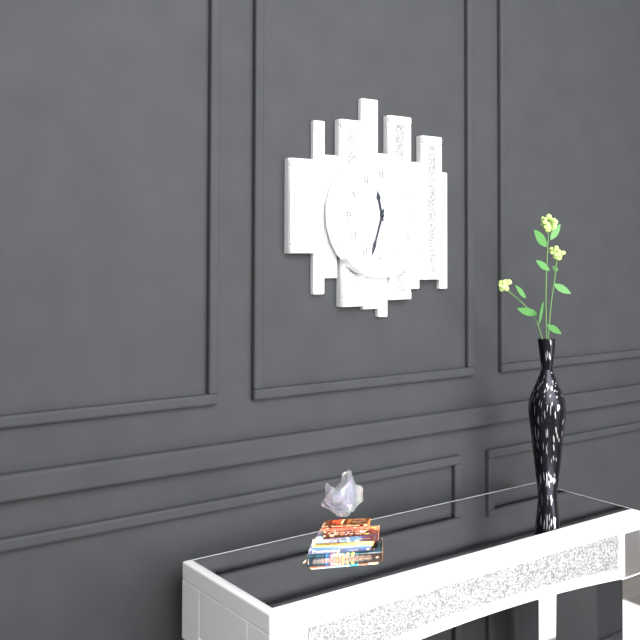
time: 11:33
